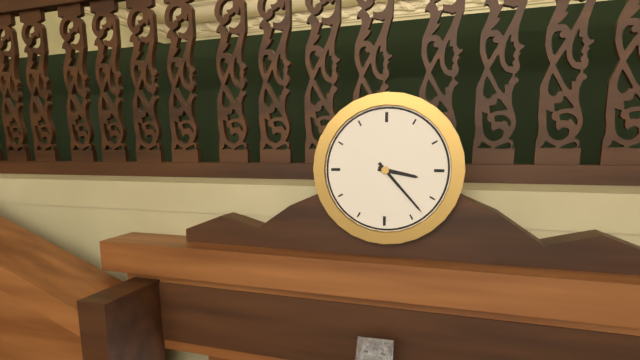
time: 3:23
